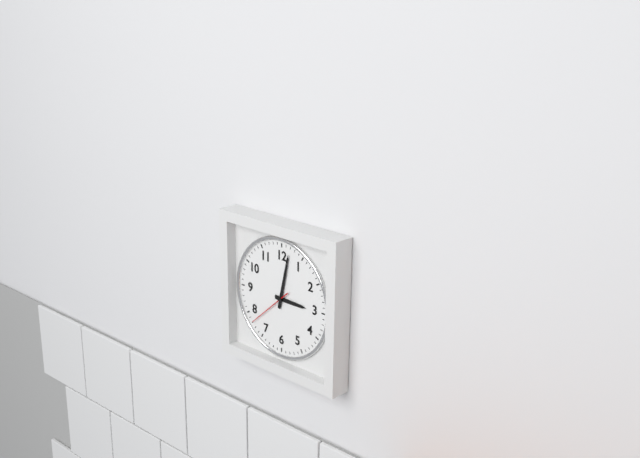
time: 3:02
